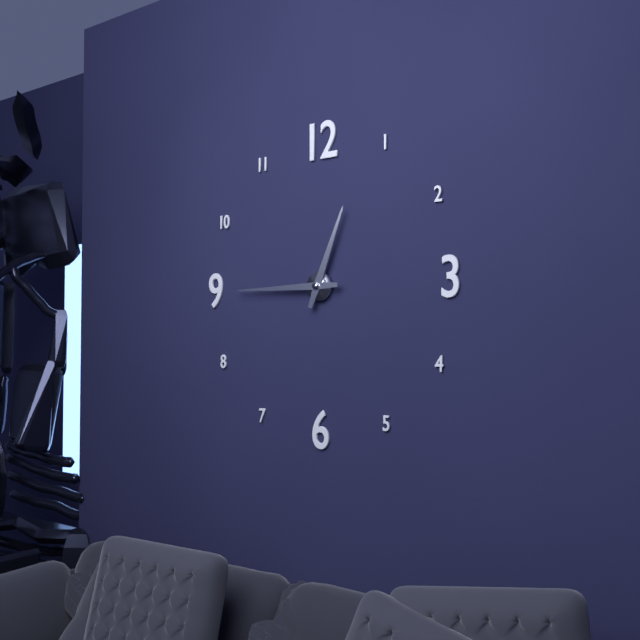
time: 12:45
